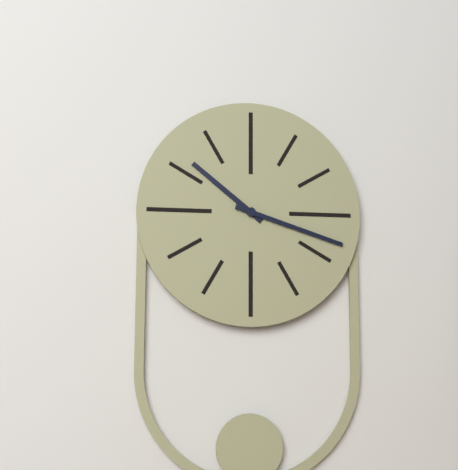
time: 10:18
